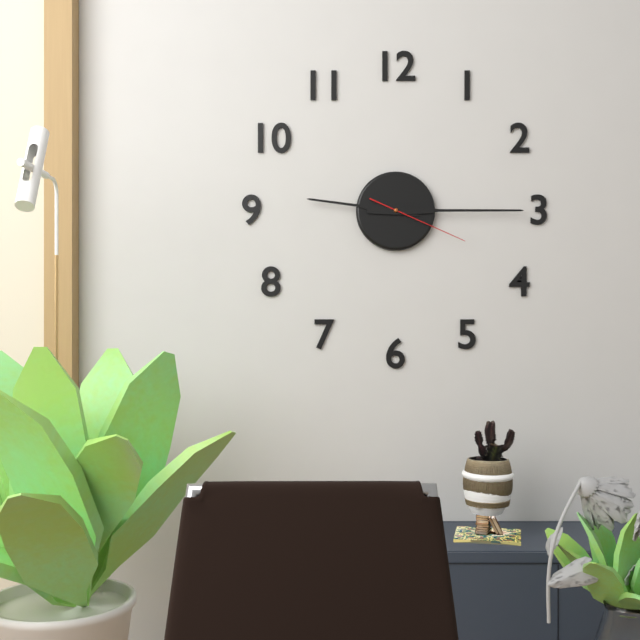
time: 9:15:19
